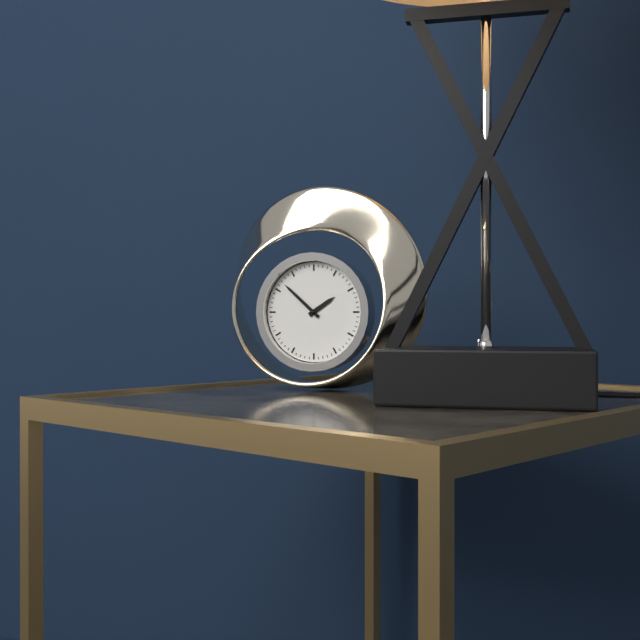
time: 1:52
